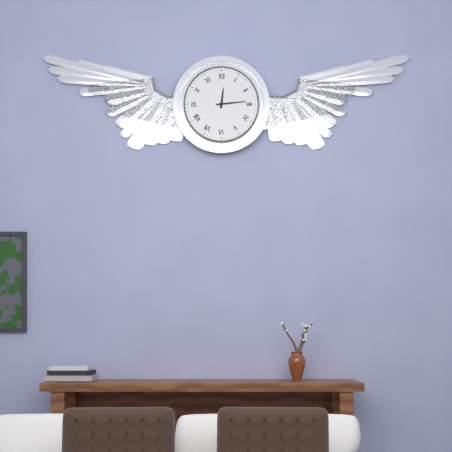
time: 12:14
